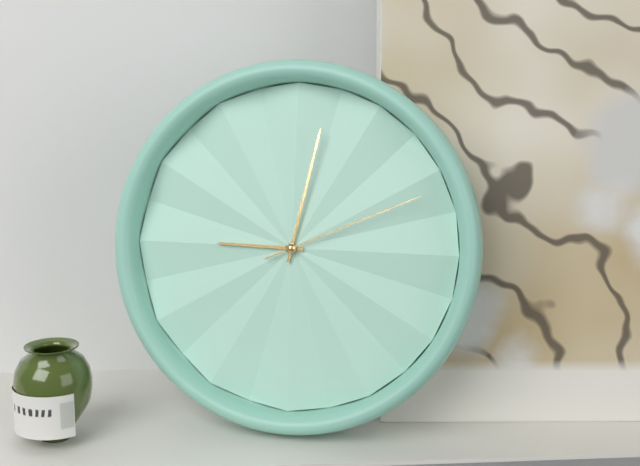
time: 9:02:11
